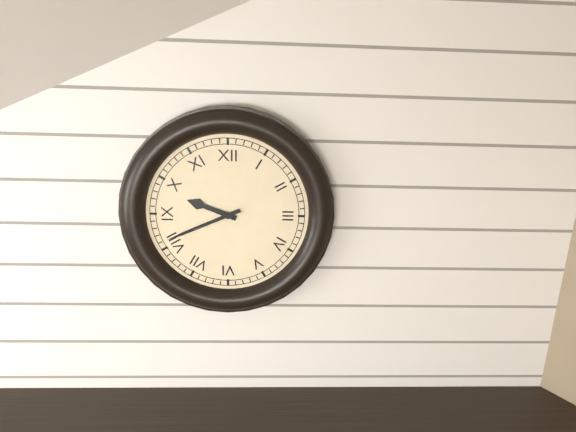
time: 9:41
